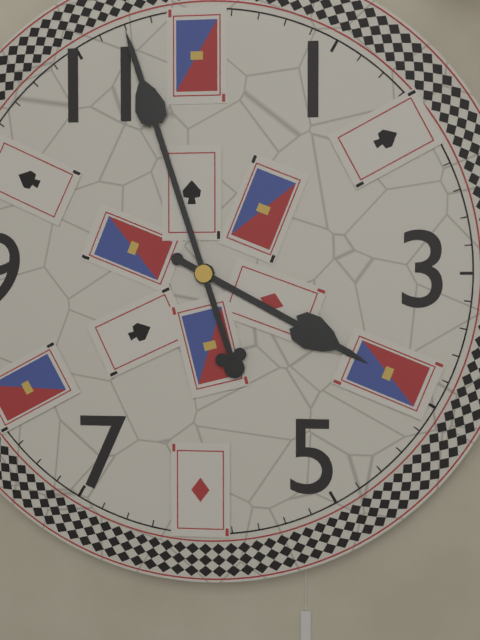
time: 3:57
